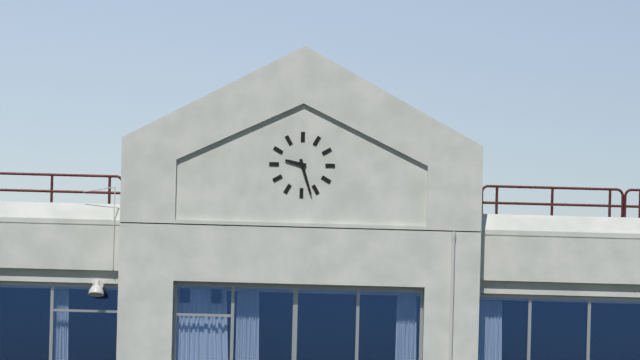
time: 9:27
